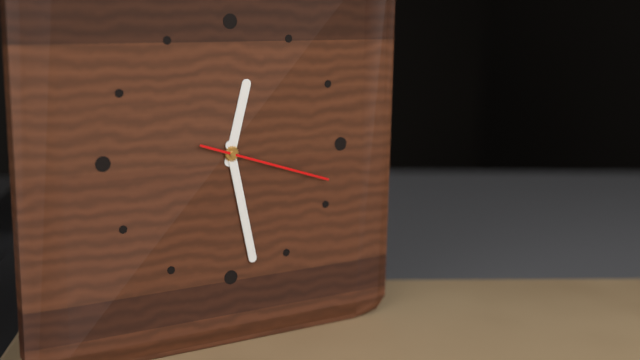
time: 12:28:18
